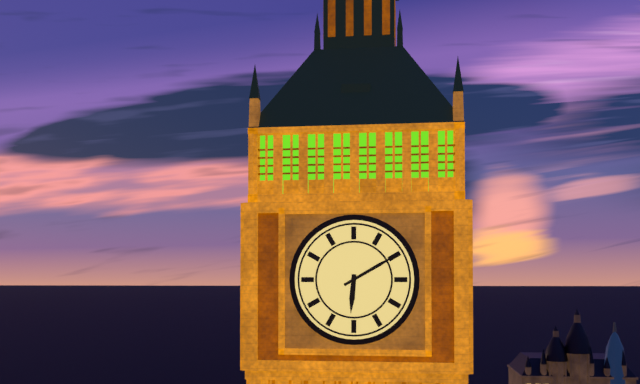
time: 6:10
